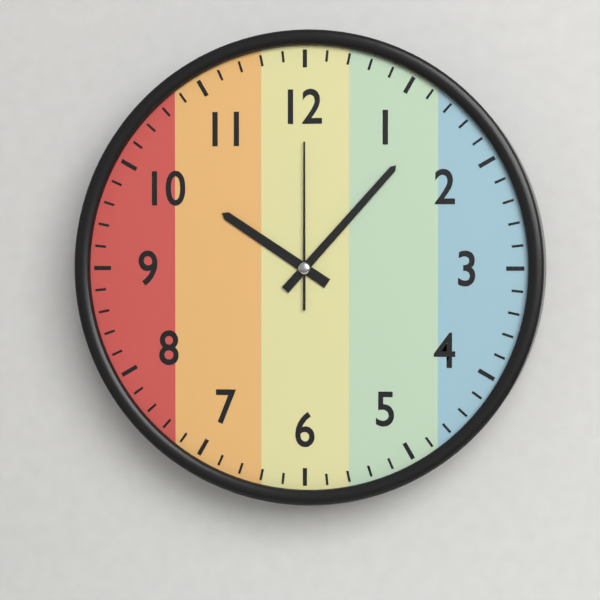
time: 10:07:00
